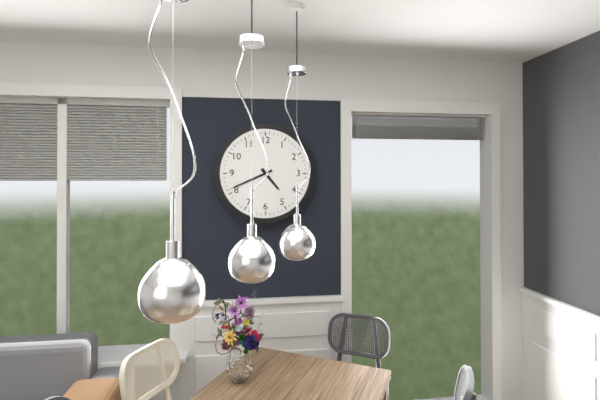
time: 4:41
